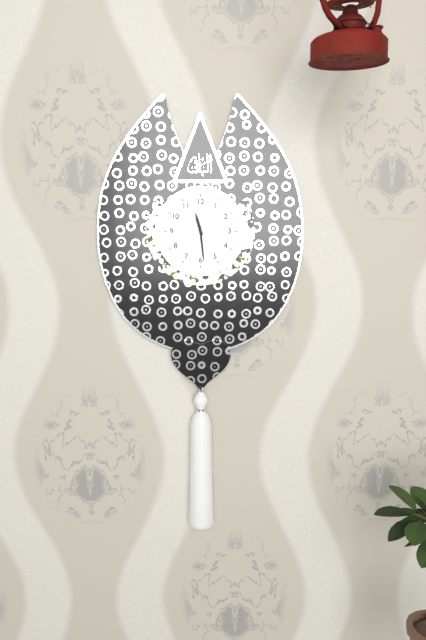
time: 11:29
